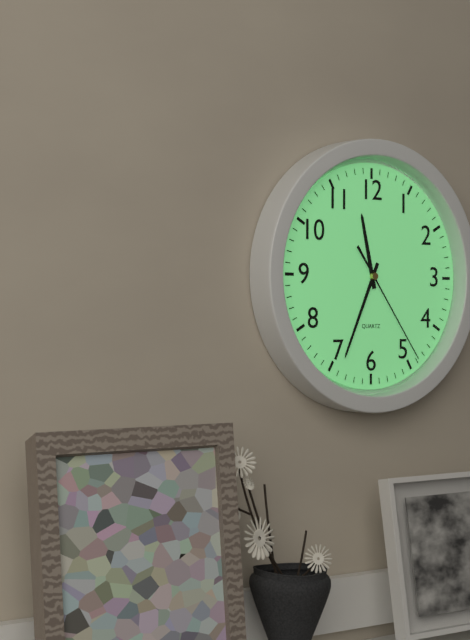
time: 11:34:24
